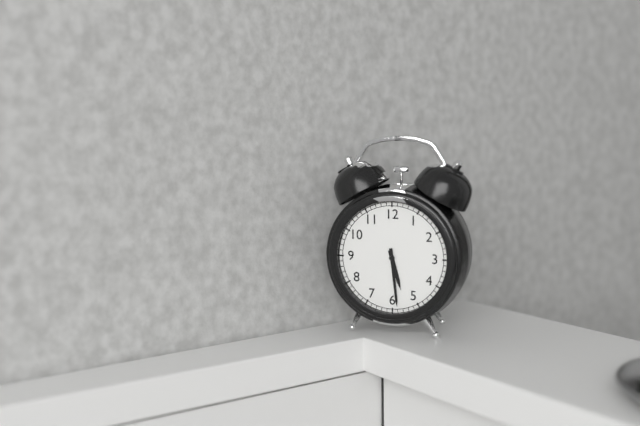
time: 5:29
